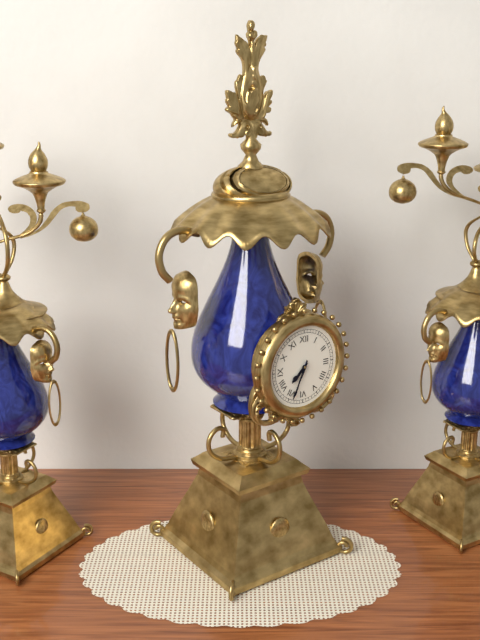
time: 7:34
